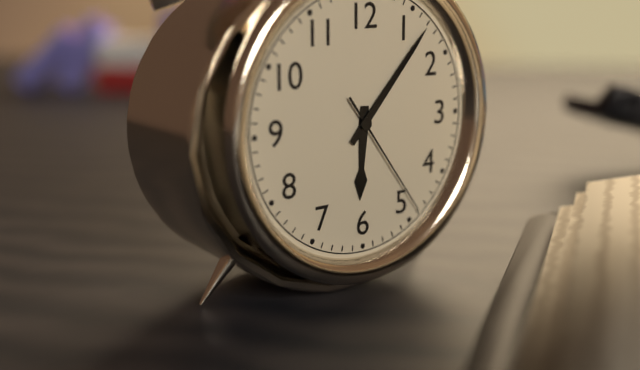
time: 6:07:24
